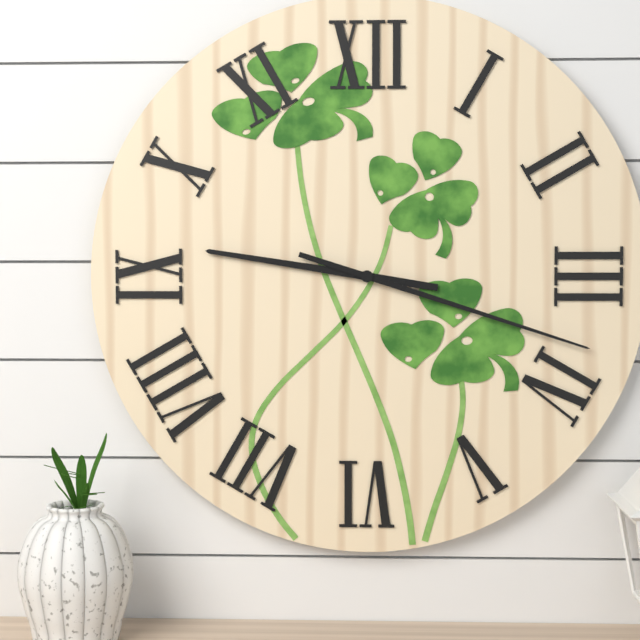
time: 9:18
